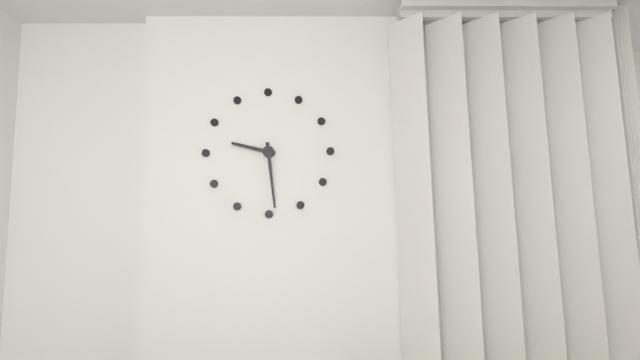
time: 9:29
